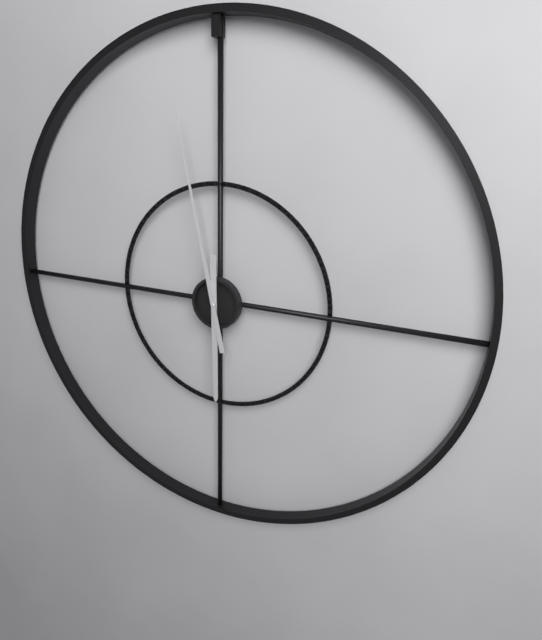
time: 5:58
